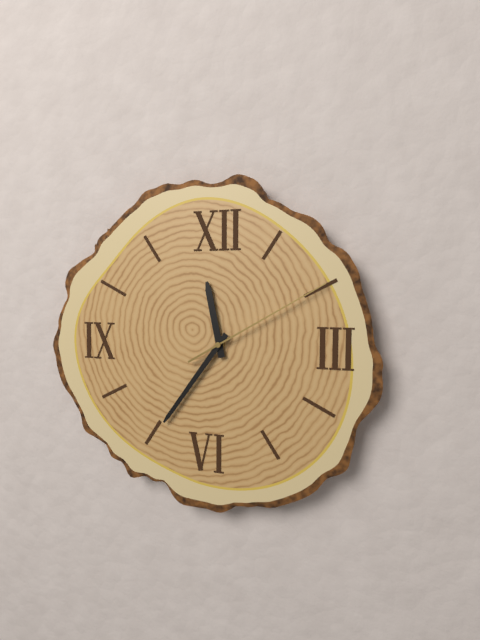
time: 11:36:10
